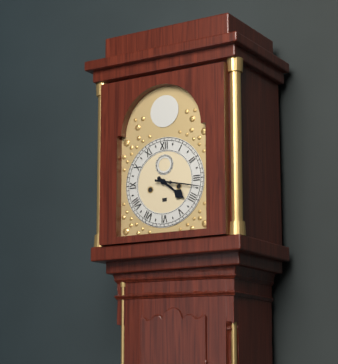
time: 4:17
